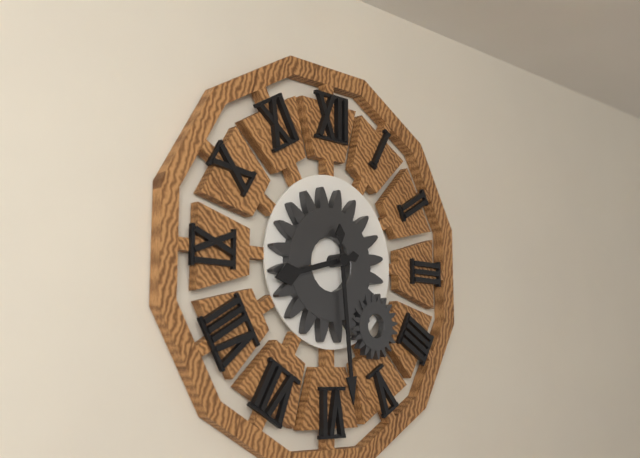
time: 8:29
